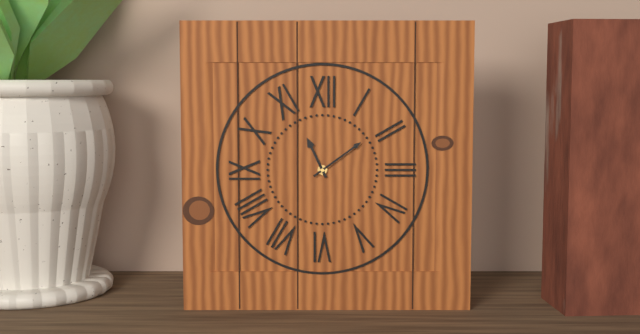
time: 11:09
